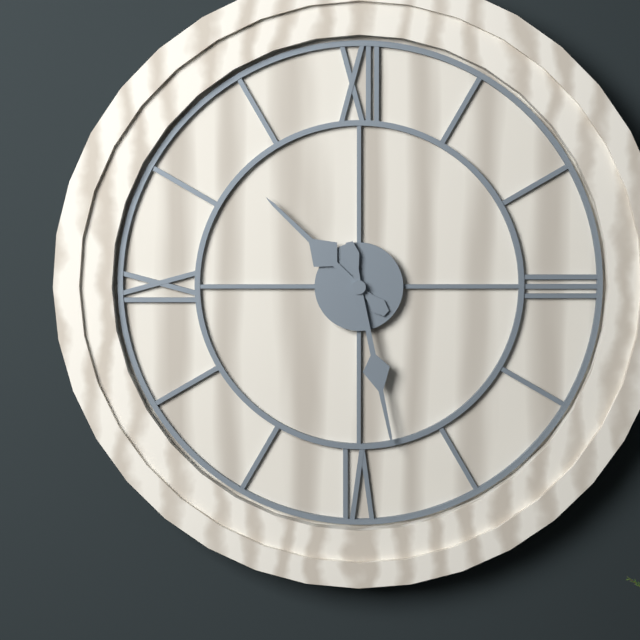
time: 10:28
